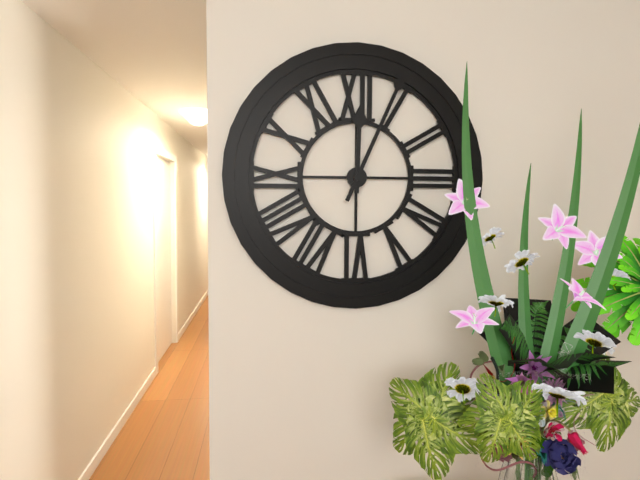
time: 12:04
